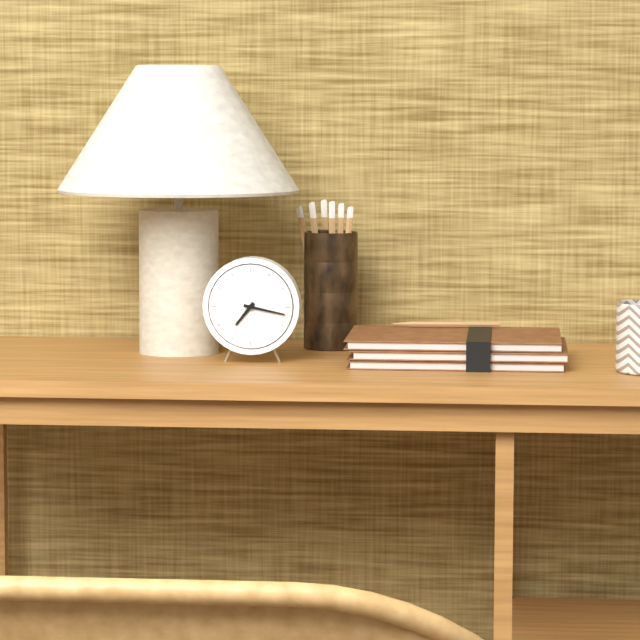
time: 7:17
